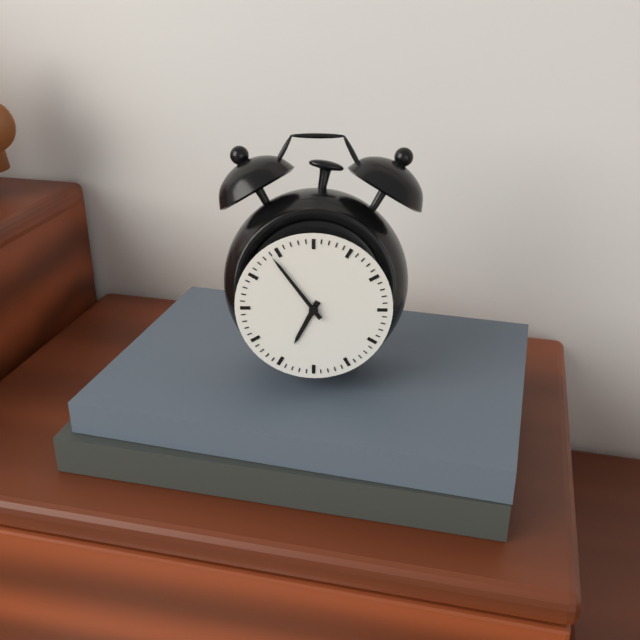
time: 6:54
